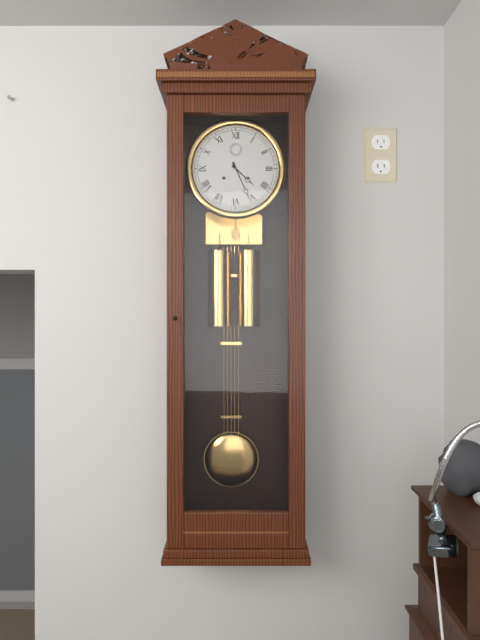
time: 4:26
